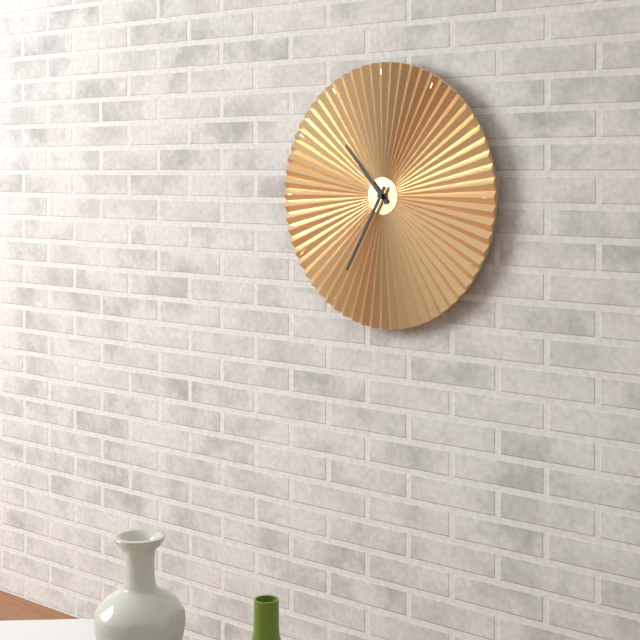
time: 10:35
